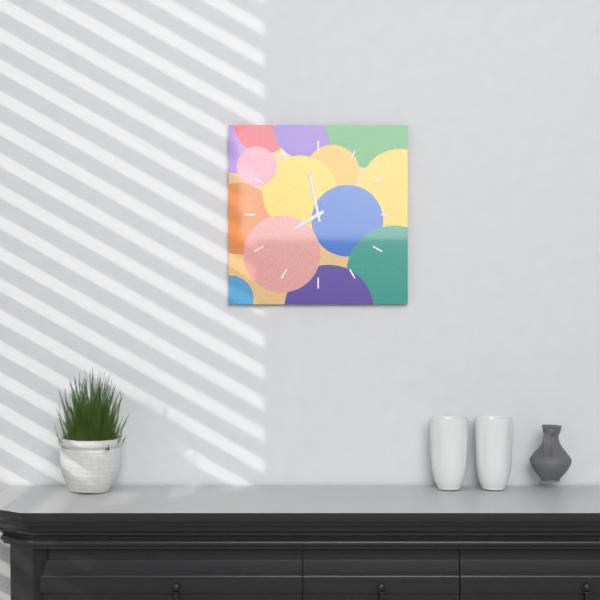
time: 7:58
